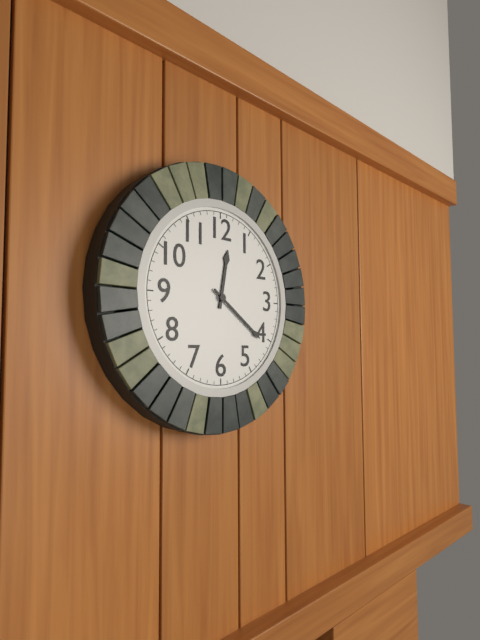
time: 12:21
